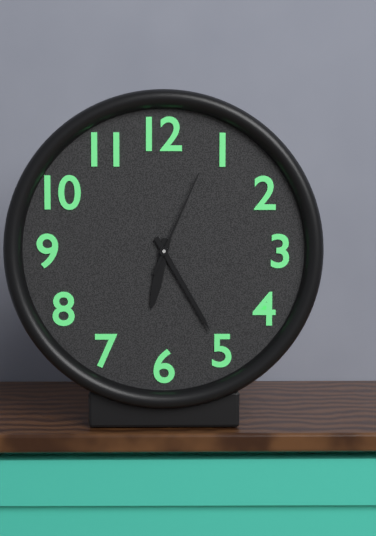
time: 6:25:04
